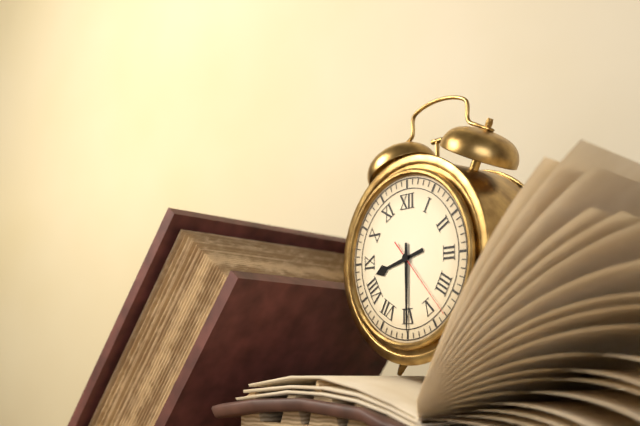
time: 8:30:23
